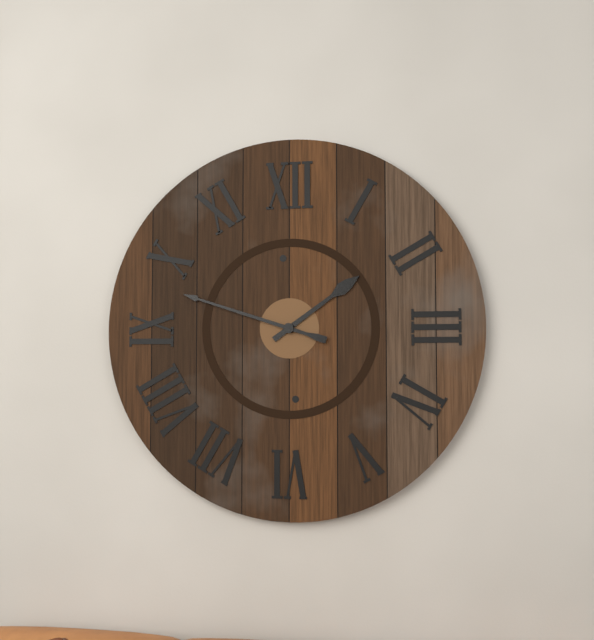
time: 1:48
